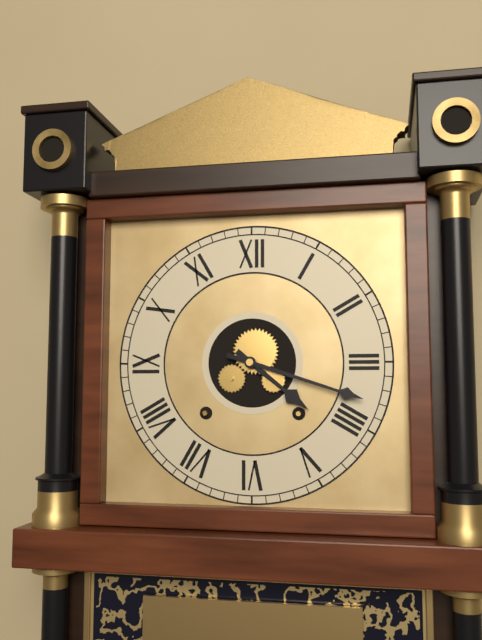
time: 4:18
